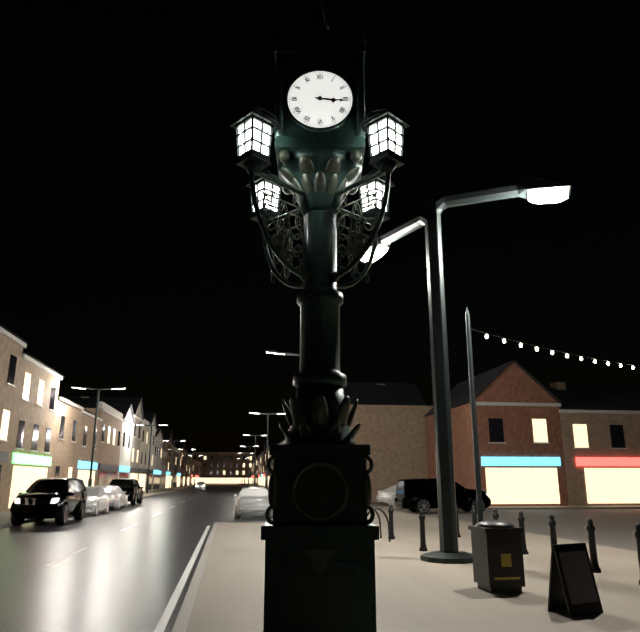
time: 3:16
